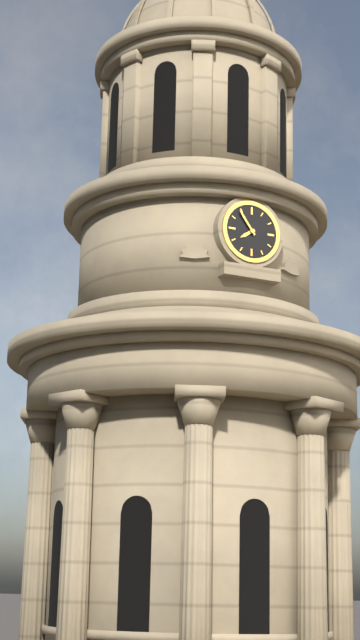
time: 7:54
